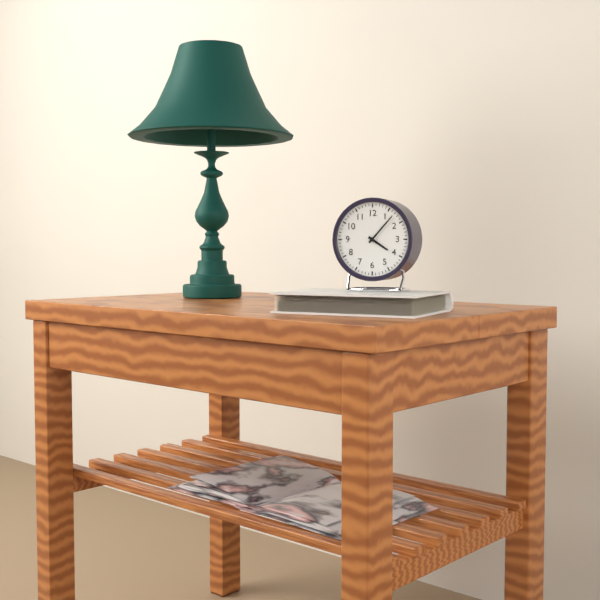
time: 4:07
